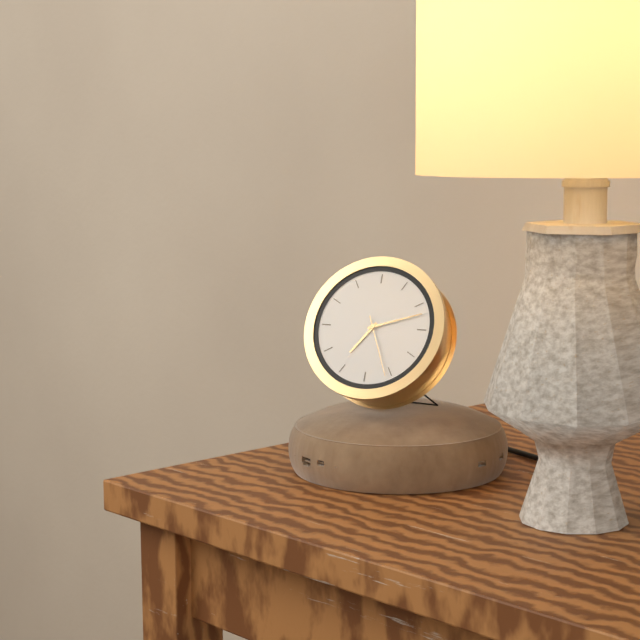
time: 7:12:26
